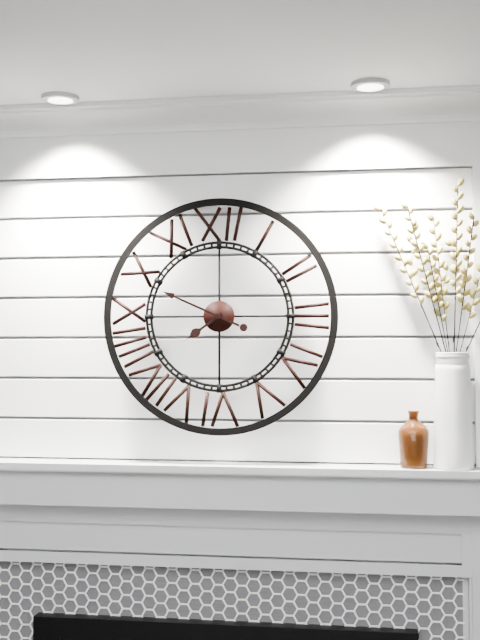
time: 7:49
